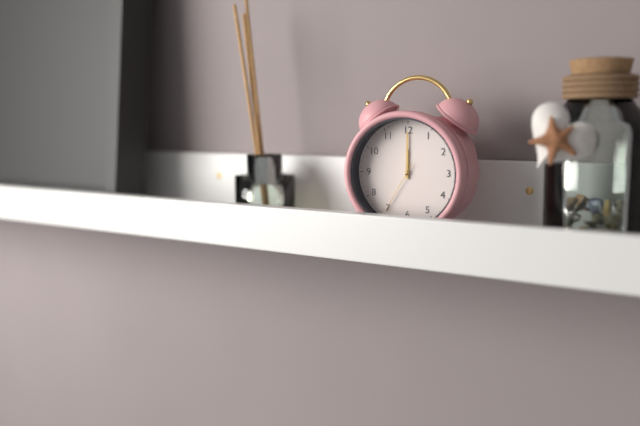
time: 12:00:35
